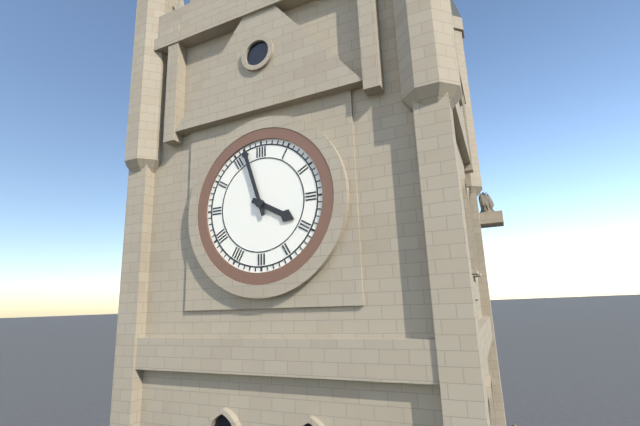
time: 3:57
